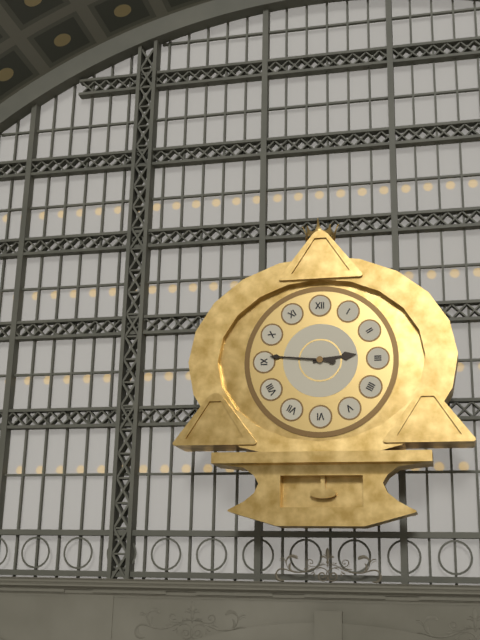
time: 2:46
